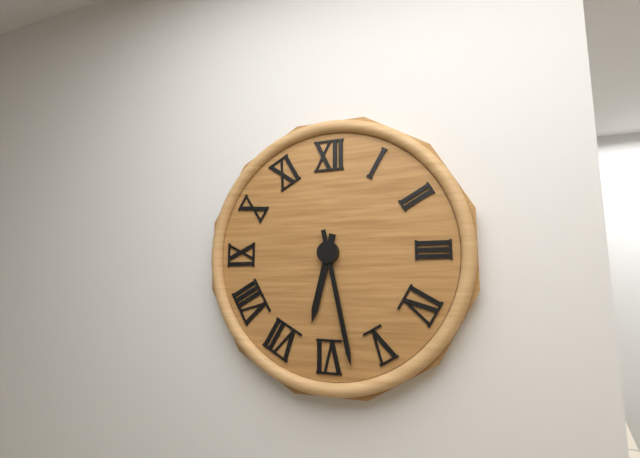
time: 6:28
